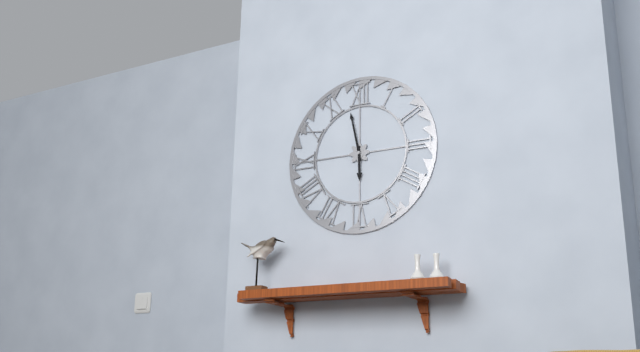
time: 5:58
